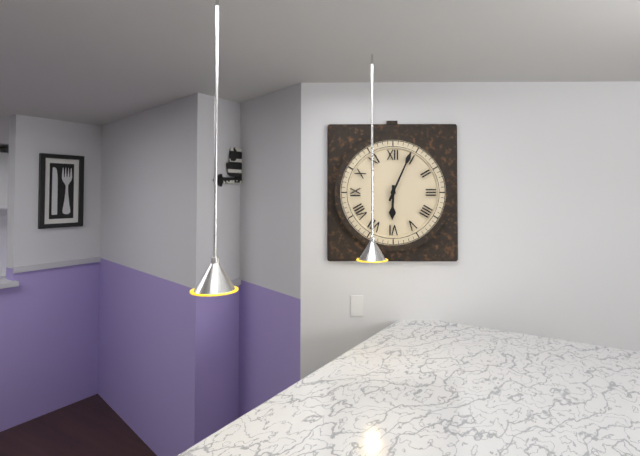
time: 6:04
